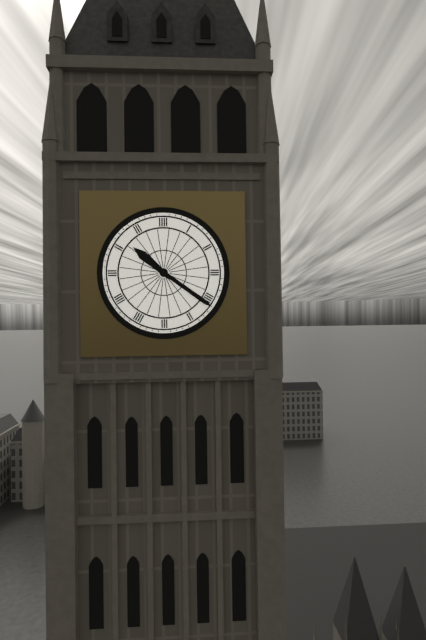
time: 10:21
